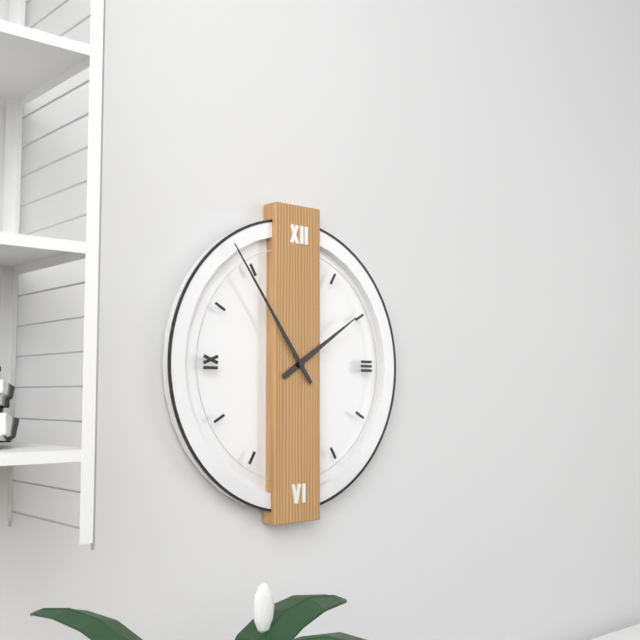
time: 1:54
